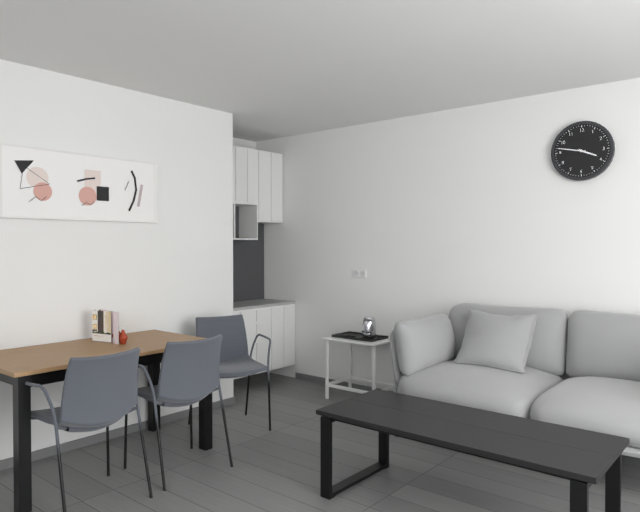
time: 3:47
